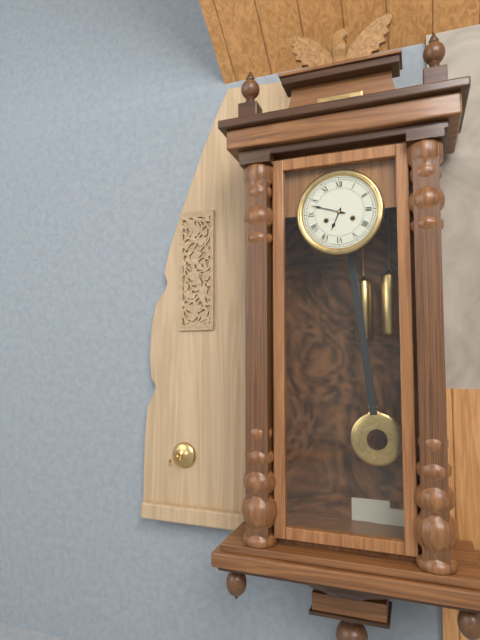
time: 6:48
